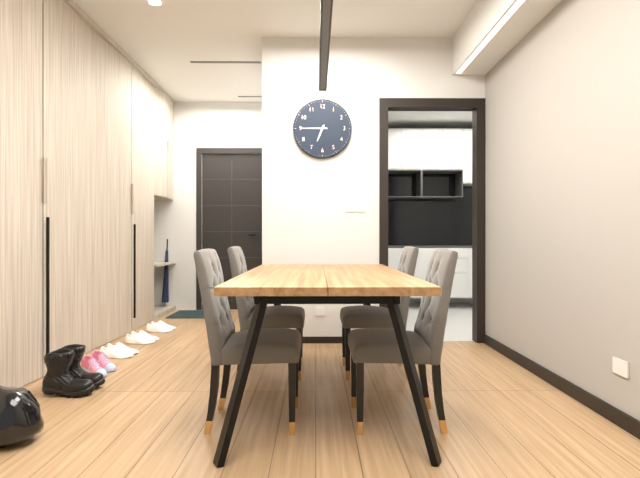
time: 6:45
